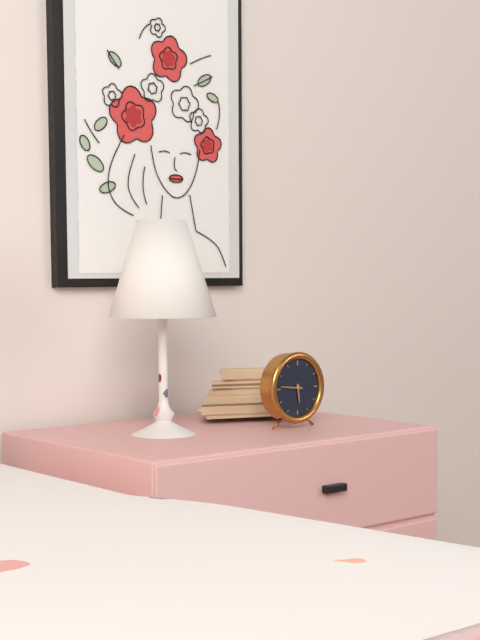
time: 5:46
